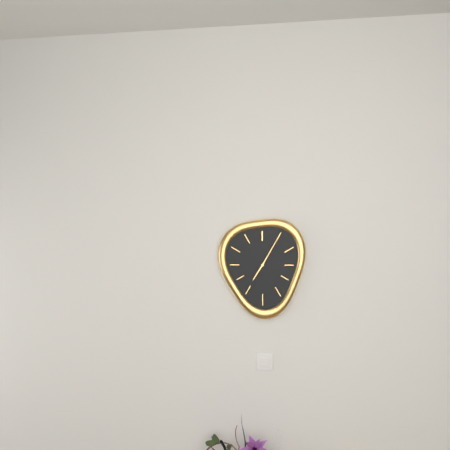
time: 7:05
